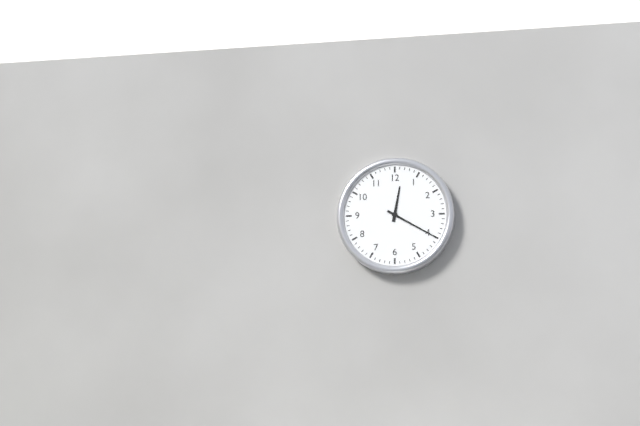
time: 12:20
